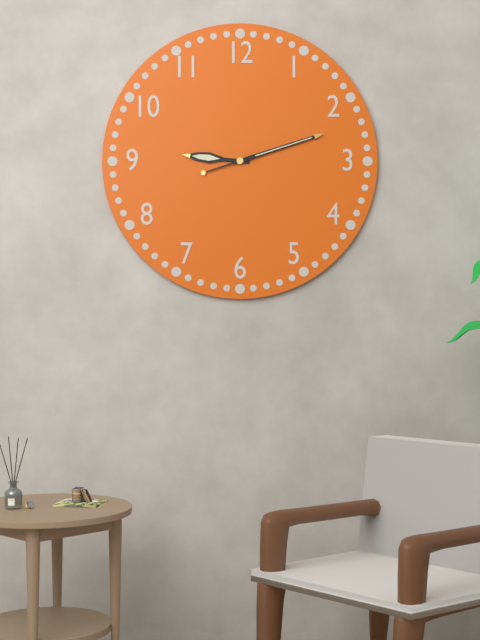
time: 9:12
